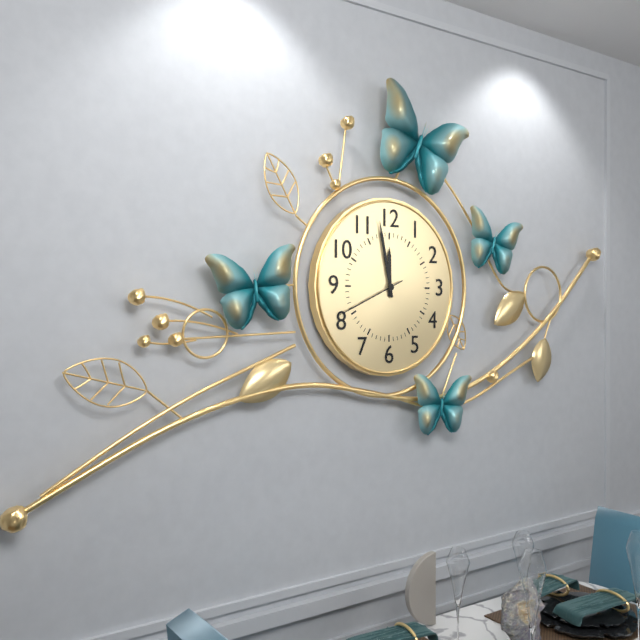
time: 11:58:41
